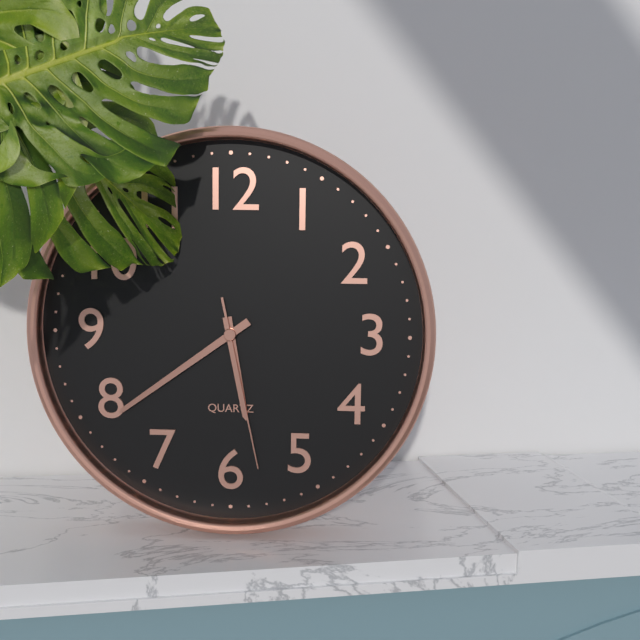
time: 5:39:28
